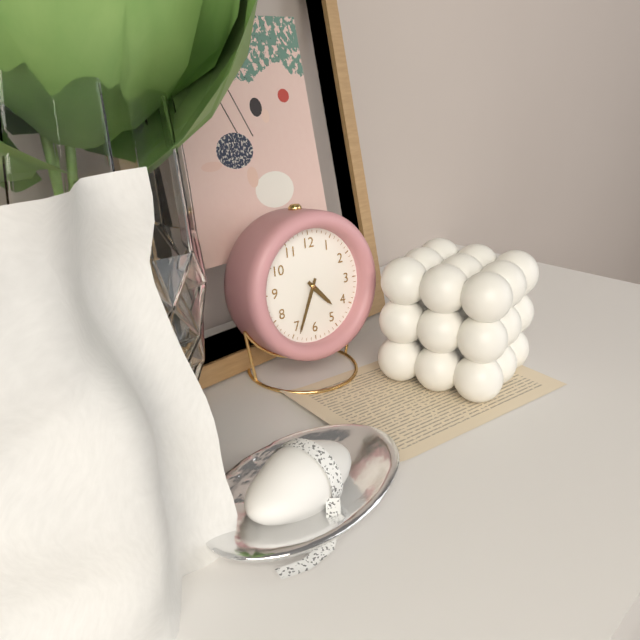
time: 4:34
